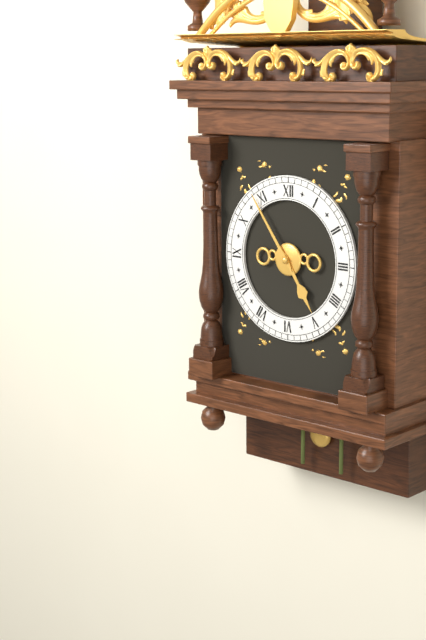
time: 4:54
